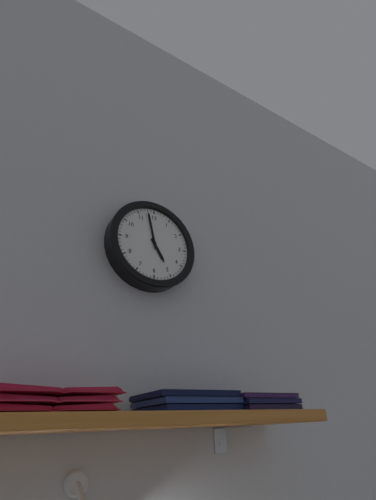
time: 4:58
